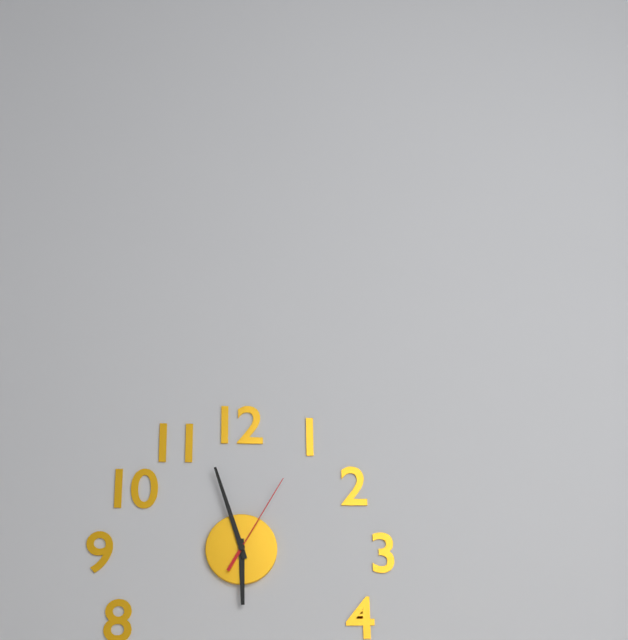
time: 5:57:05
